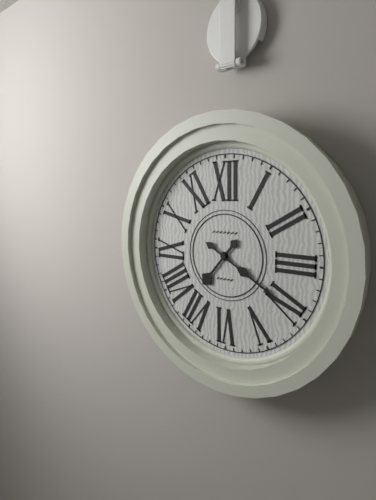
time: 7:20
